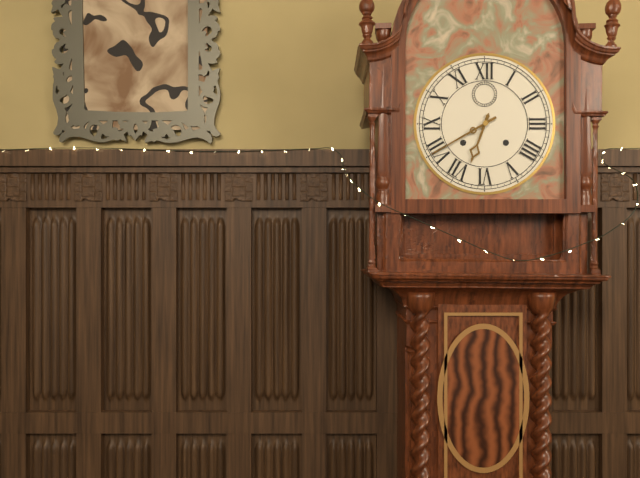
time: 6:40
